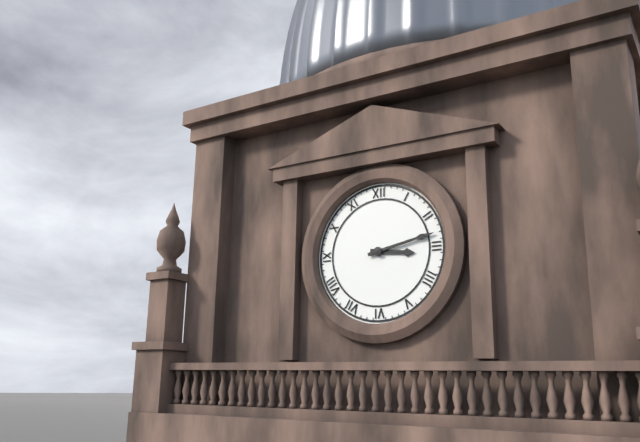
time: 3:13
